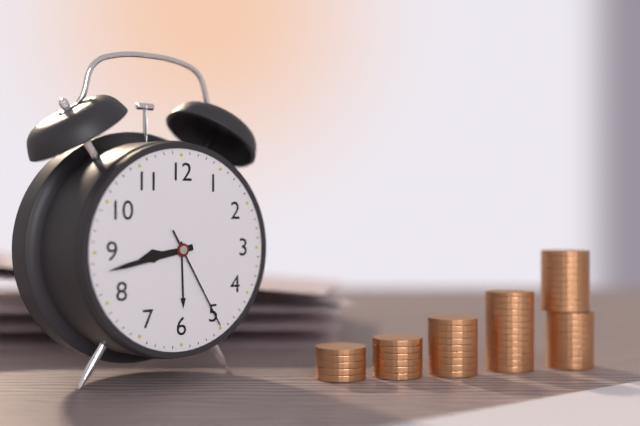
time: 8:43:25
